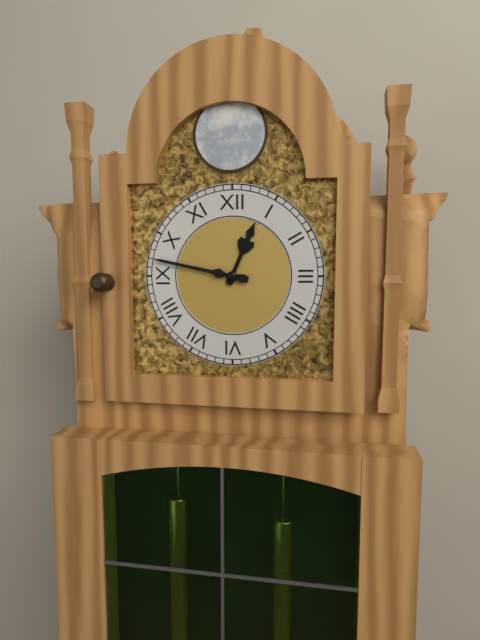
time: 12:47
